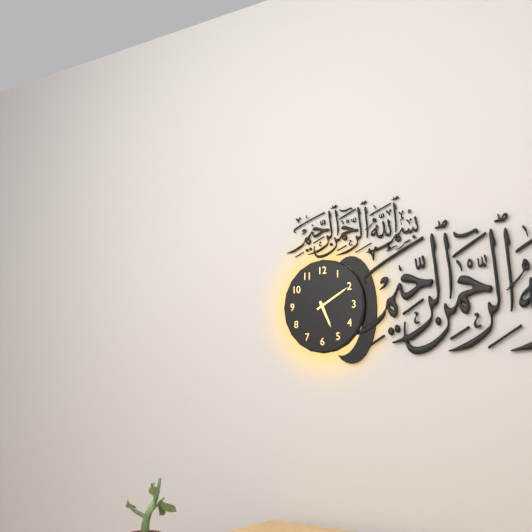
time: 5:10
